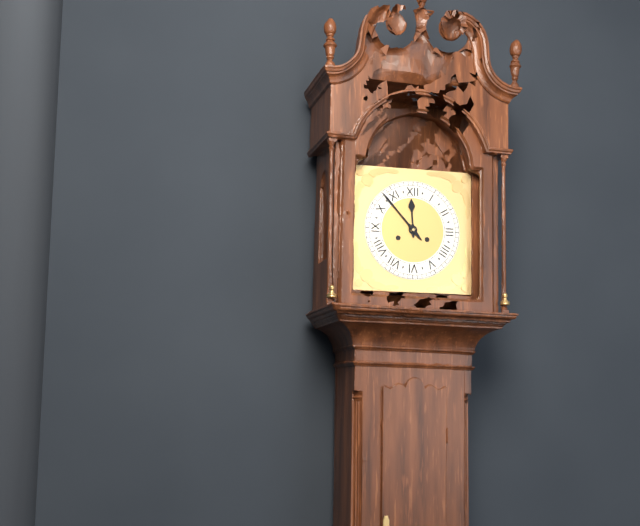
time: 11:53
